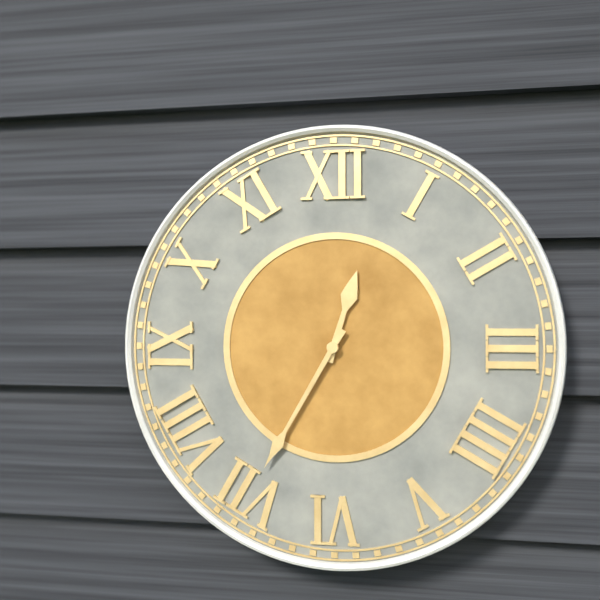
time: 12:35
